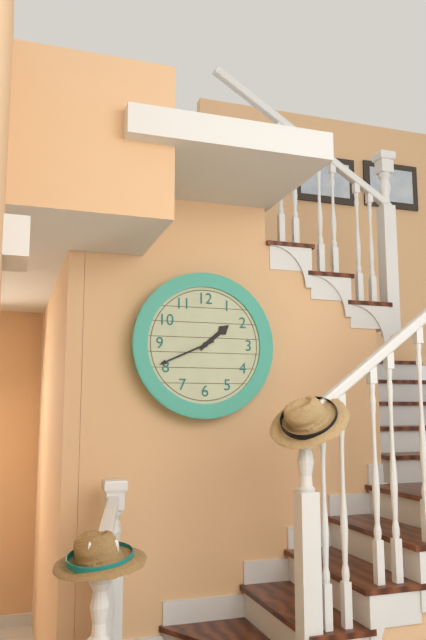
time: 1:41
